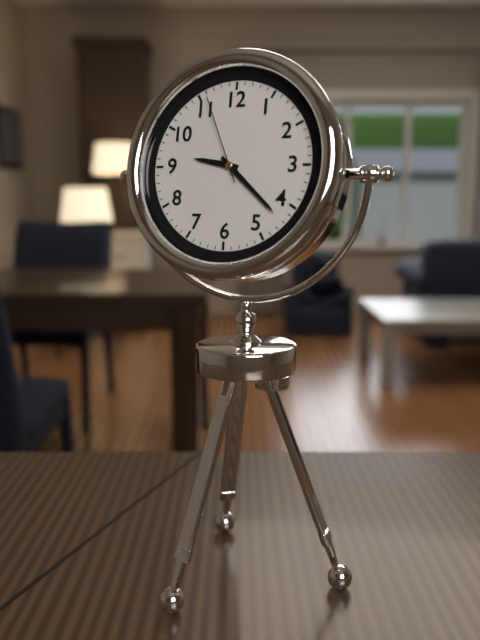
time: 9:22:56
